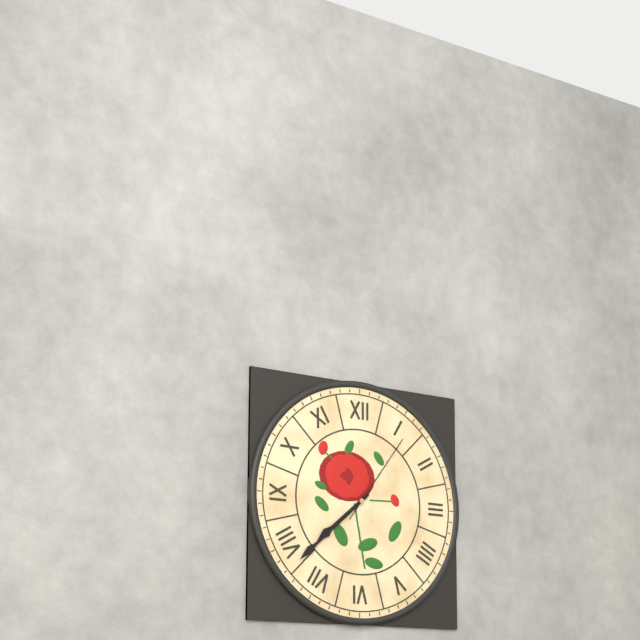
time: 7:38:06
